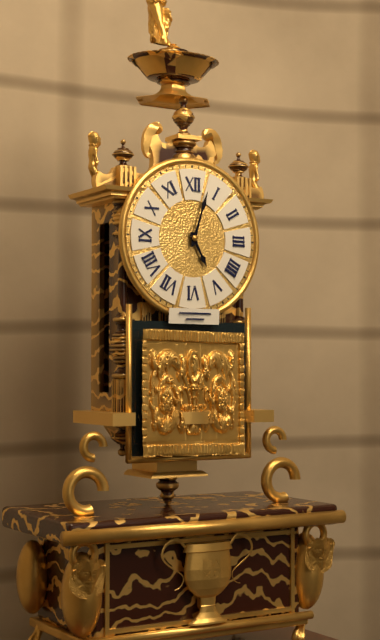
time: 5:03
